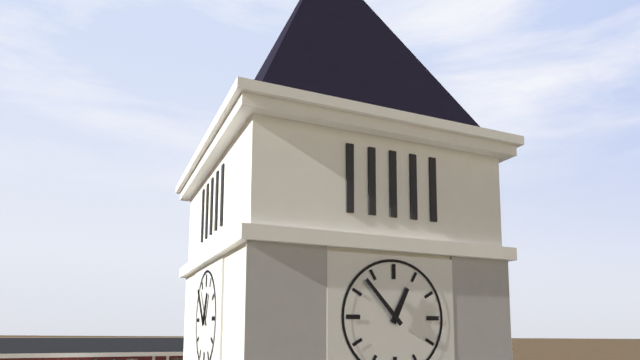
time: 12:53
